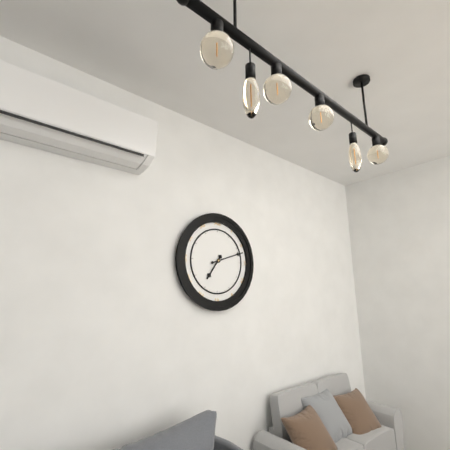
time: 7:12
